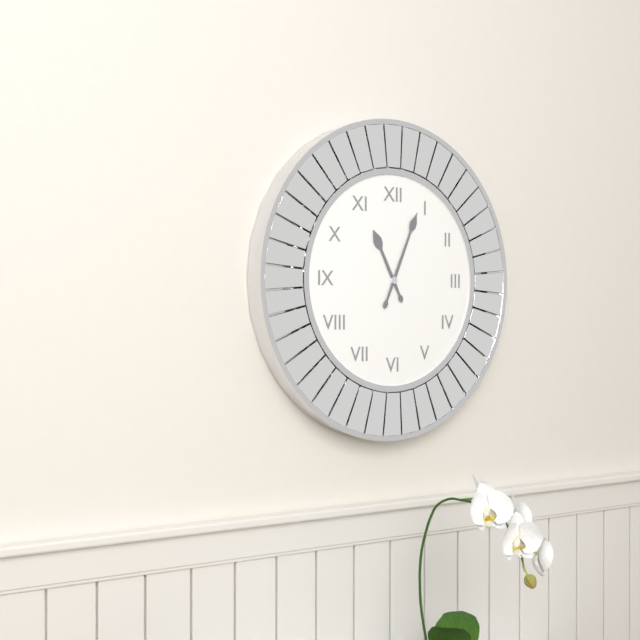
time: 11:04
